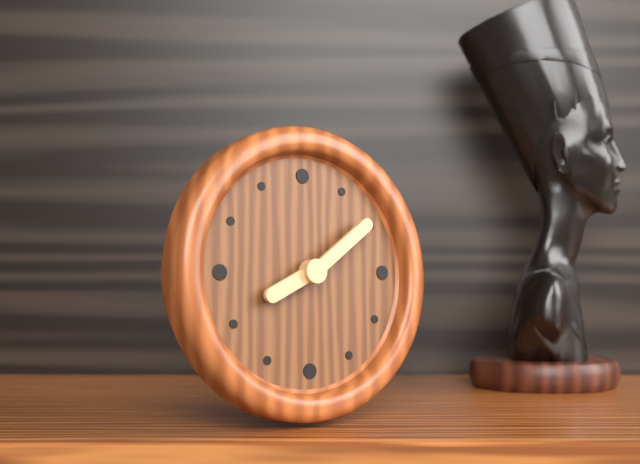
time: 8:09
